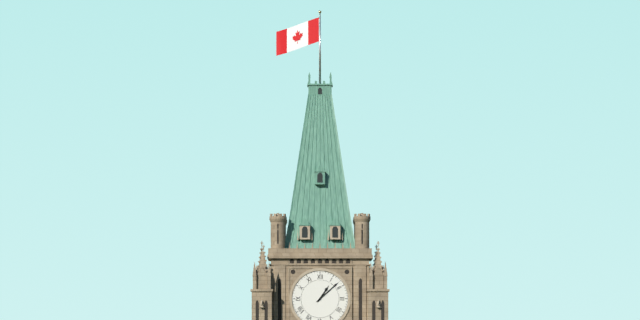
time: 1:08
